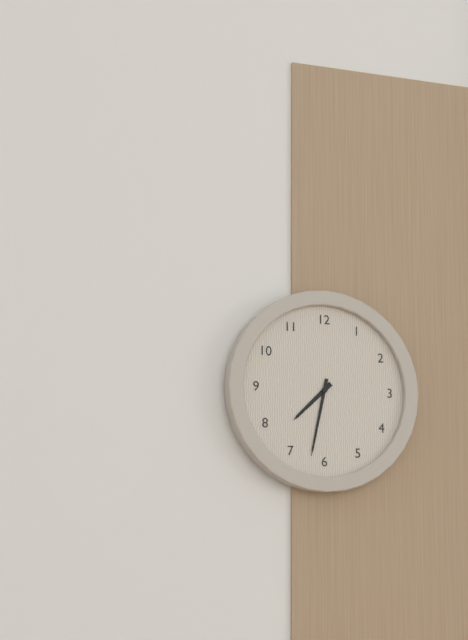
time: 7:32
